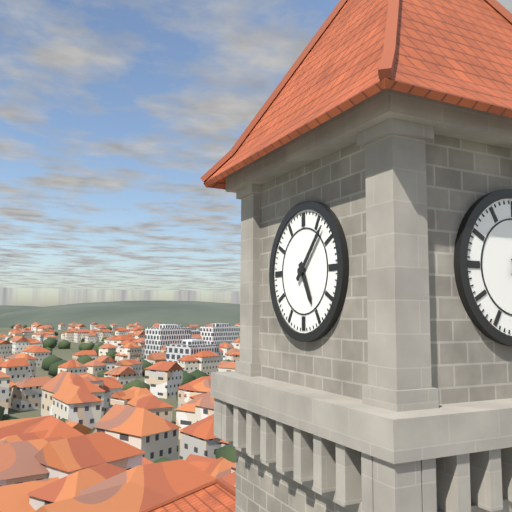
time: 5:07
